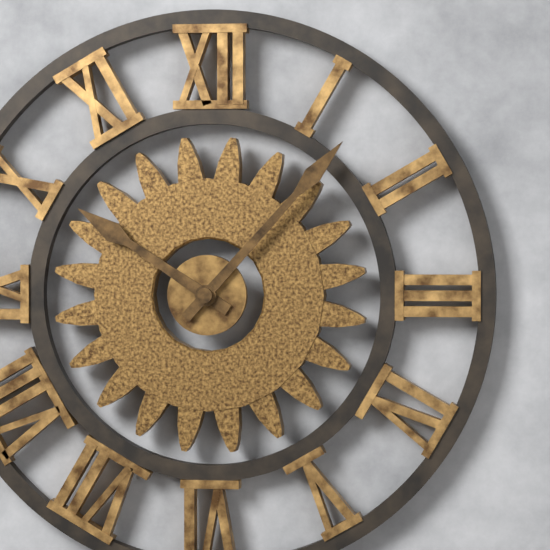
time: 10:07
